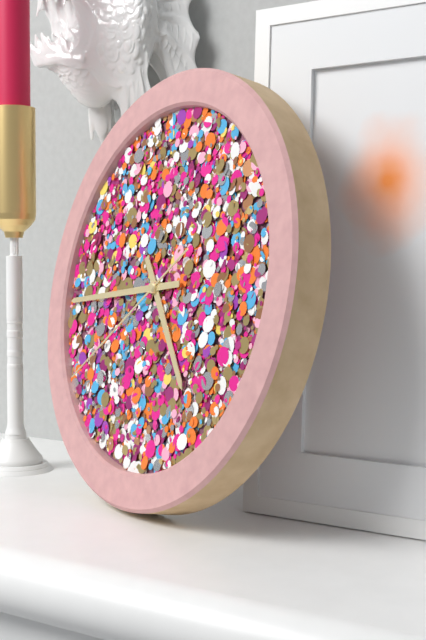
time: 4:44:39
